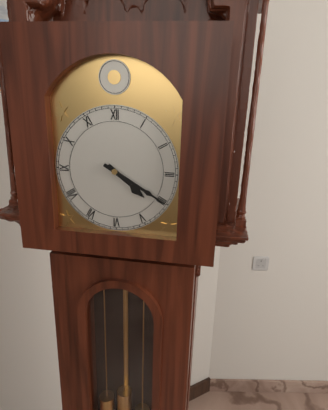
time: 4:20
